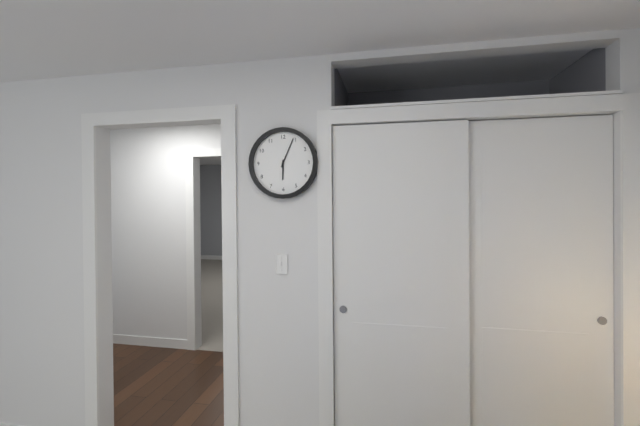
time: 6:04
